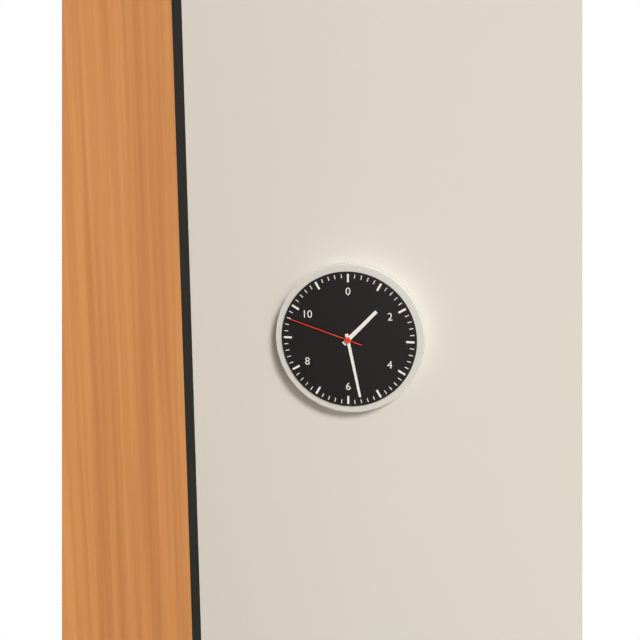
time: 1:28:48
